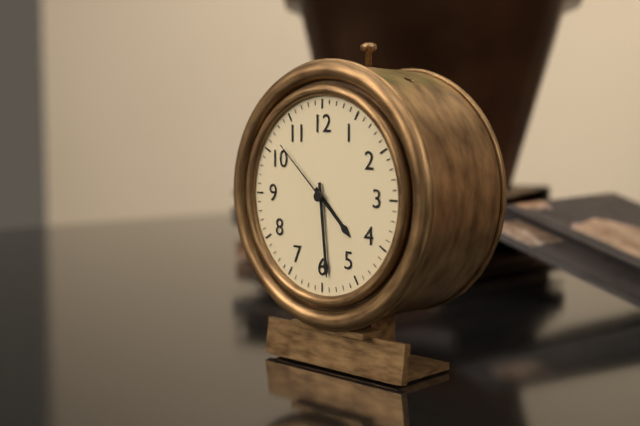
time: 4:29:52
